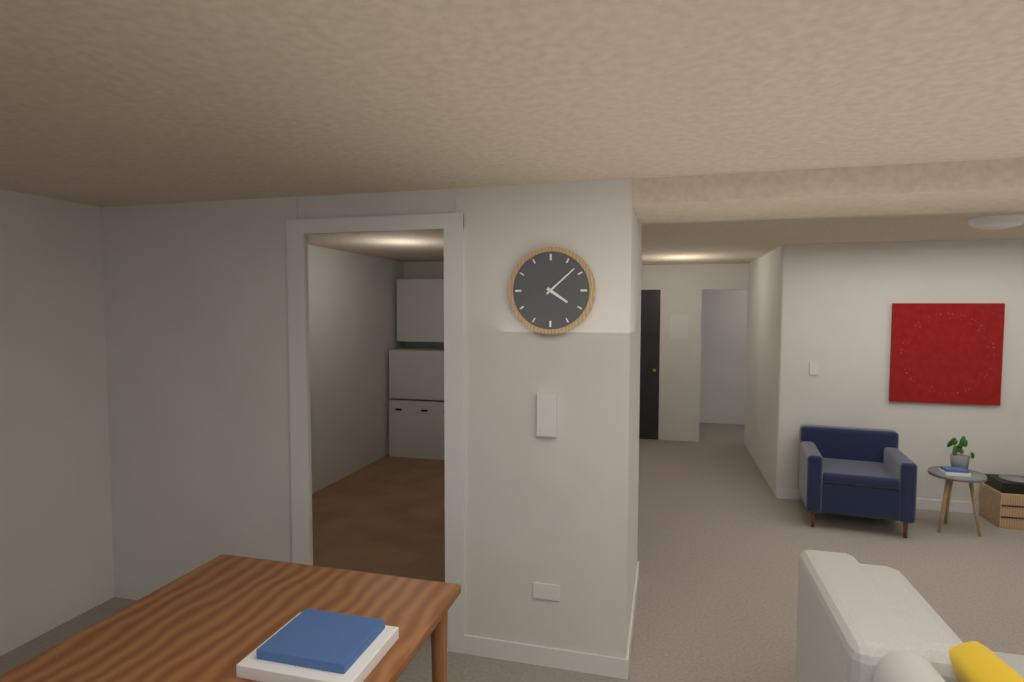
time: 4:08
